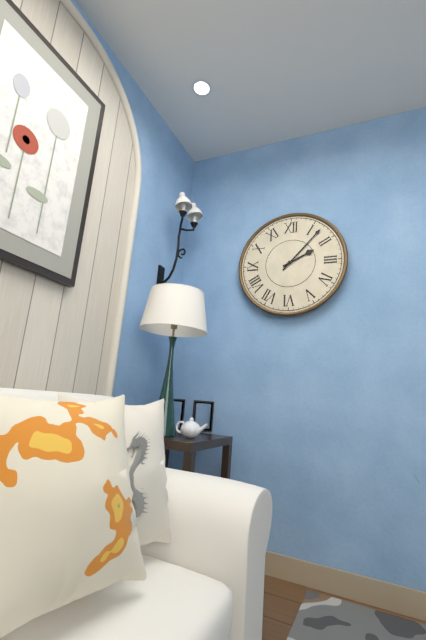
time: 2:07
